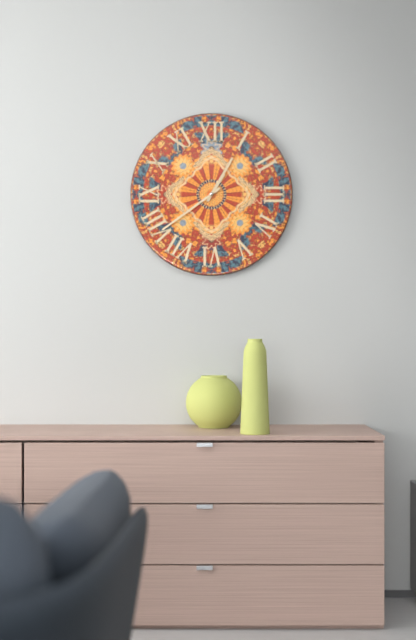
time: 1:05:39
